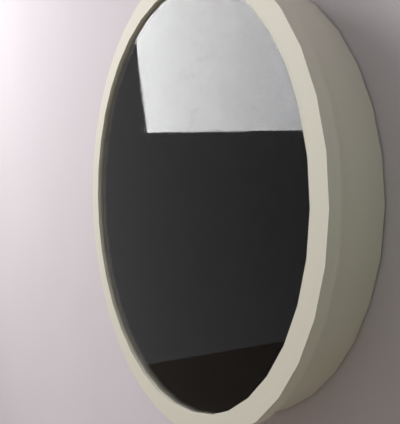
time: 7:26:40
